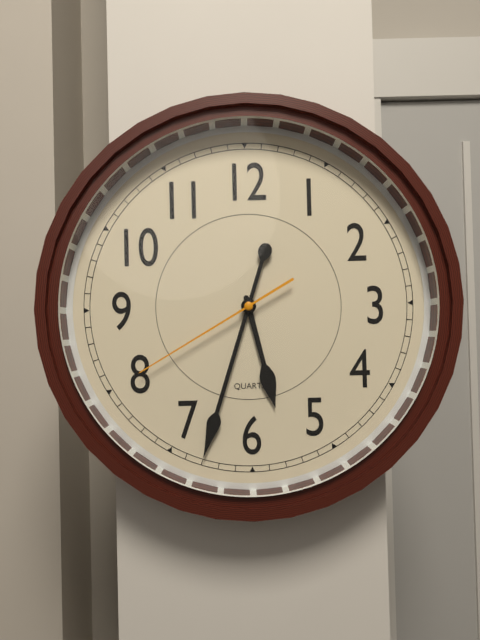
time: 5:33:40
